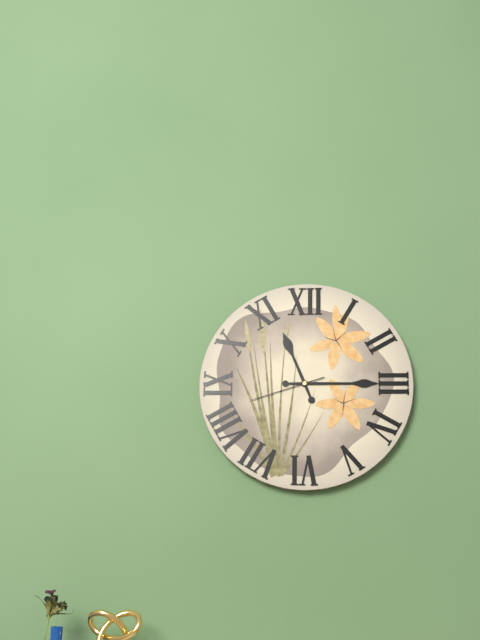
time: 11:15:42
